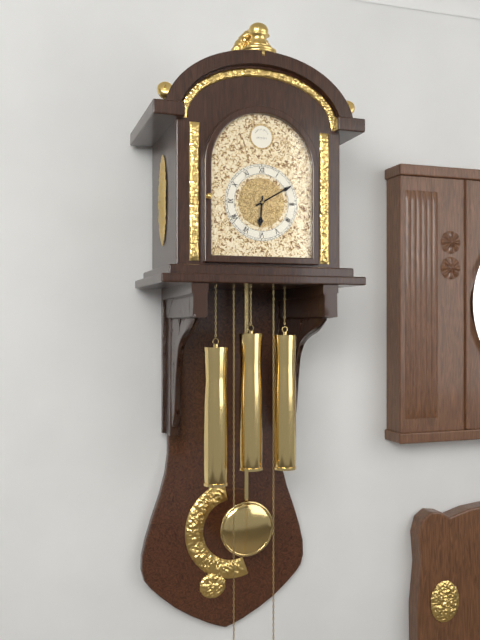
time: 6:10
